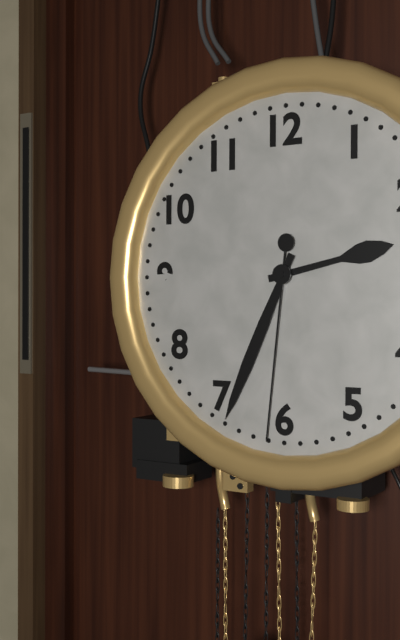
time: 2:34:31
